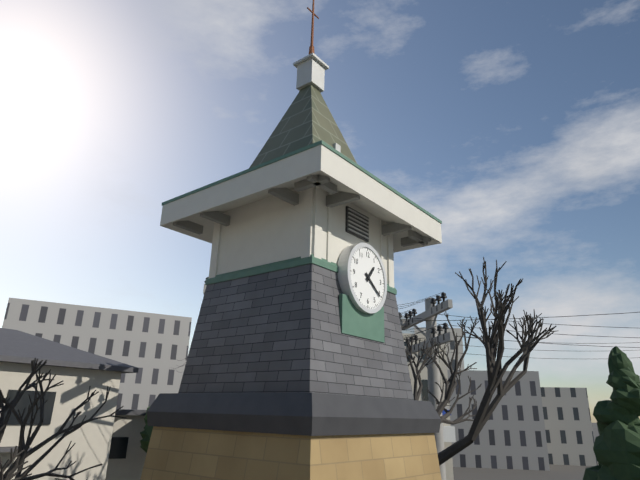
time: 1:21
